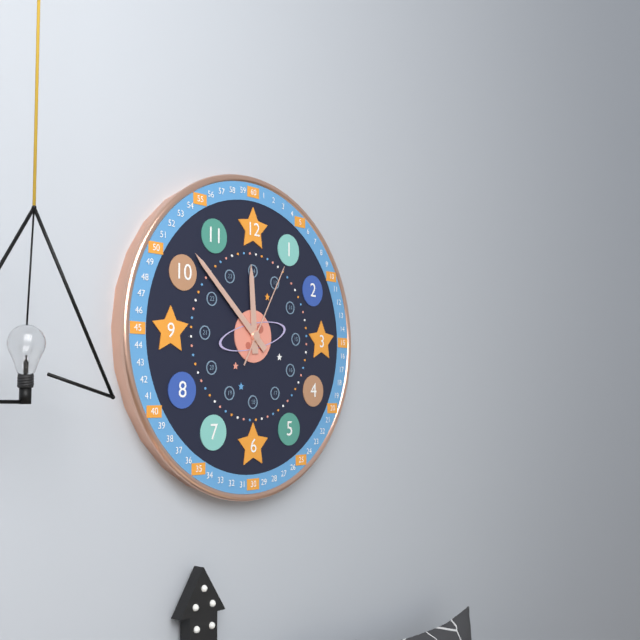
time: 11:52:05
